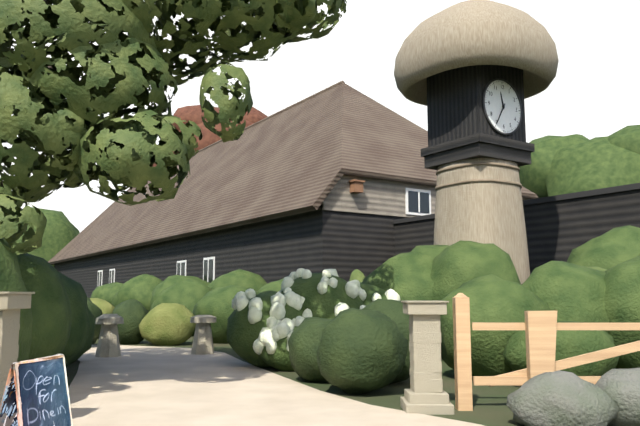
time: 11:35
